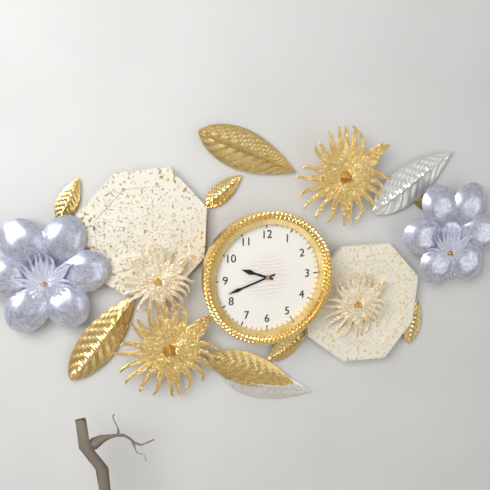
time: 9:42
